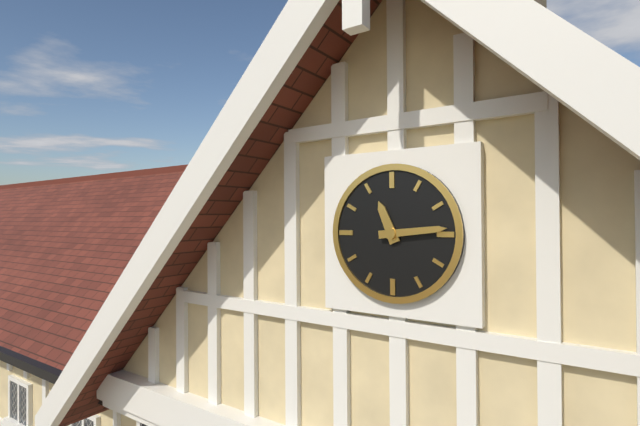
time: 11:14
